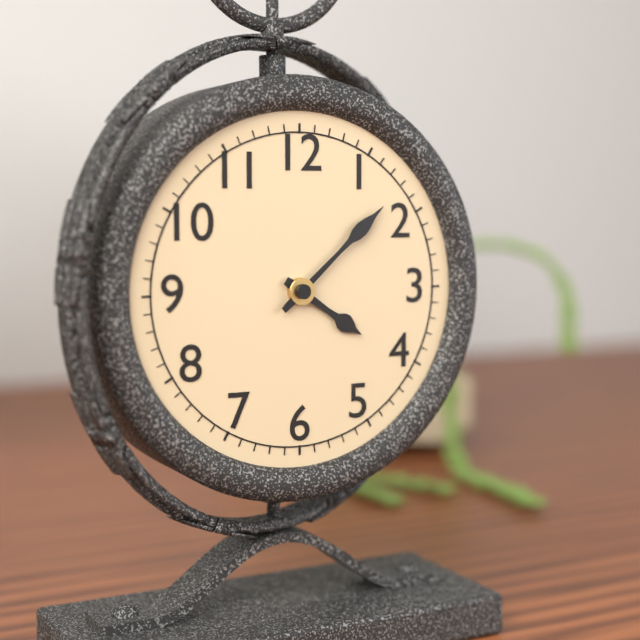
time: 4:08
